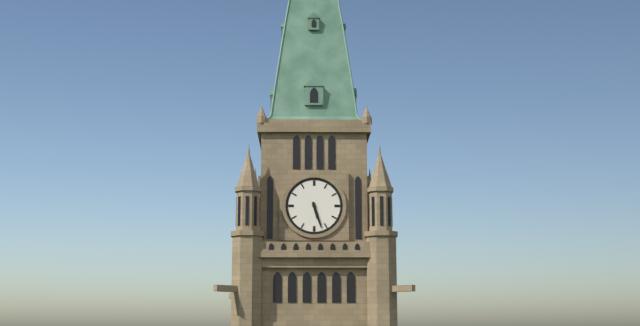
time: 5:27
